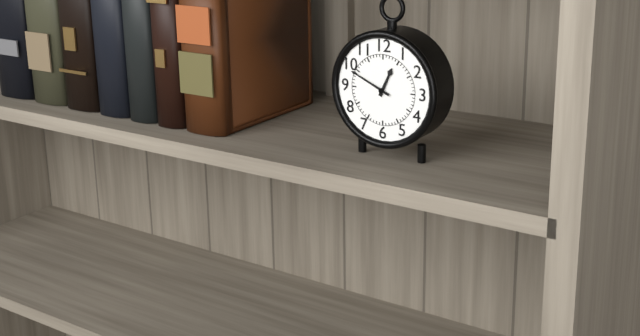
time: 12:49
